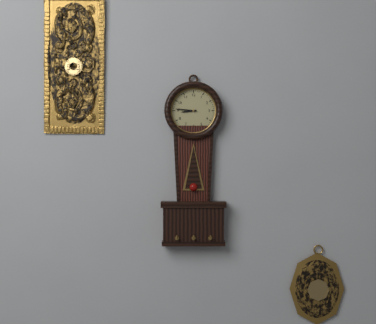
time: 8:46
